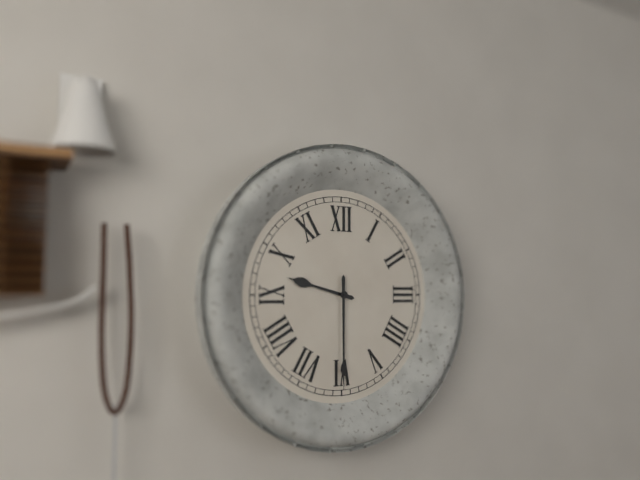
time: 9:30
